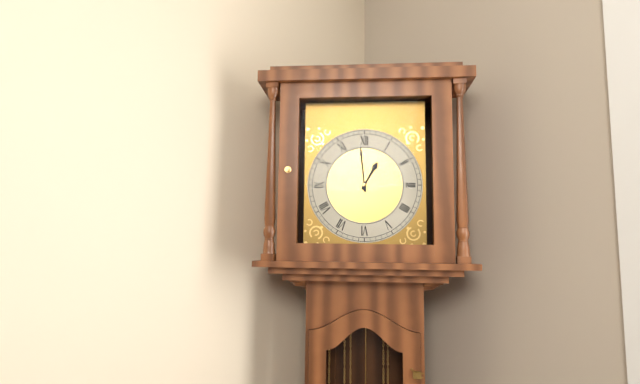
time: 12:59
